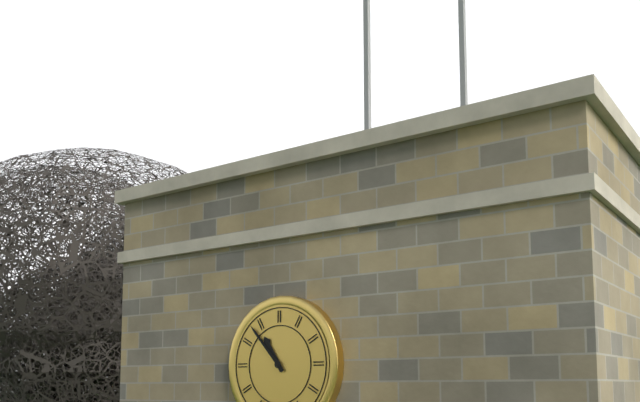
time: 10:53
